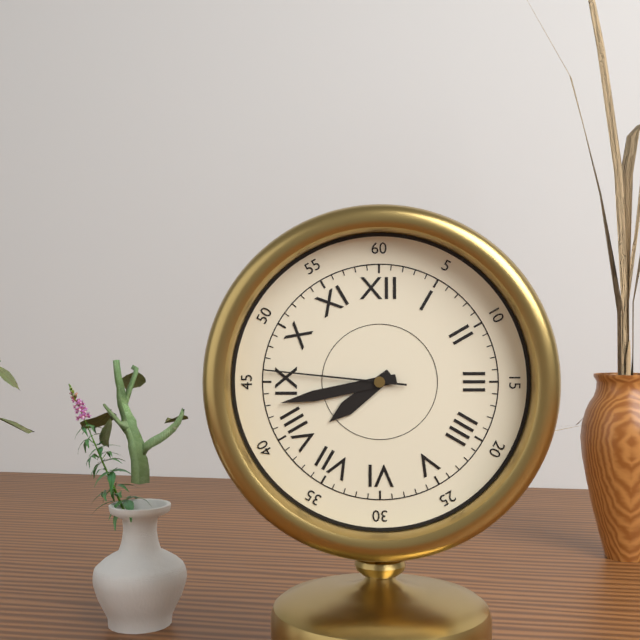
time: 7:43:46
